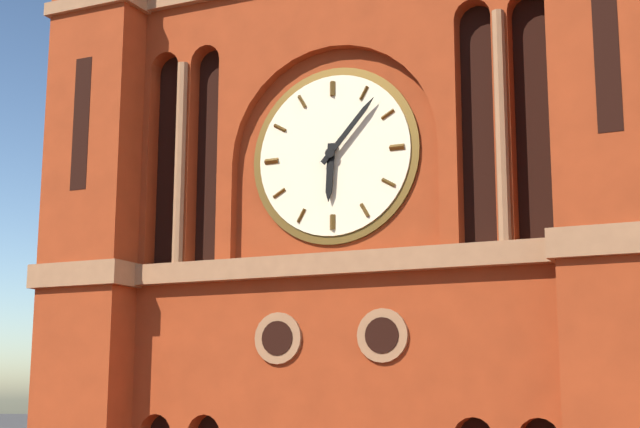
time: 6:07
